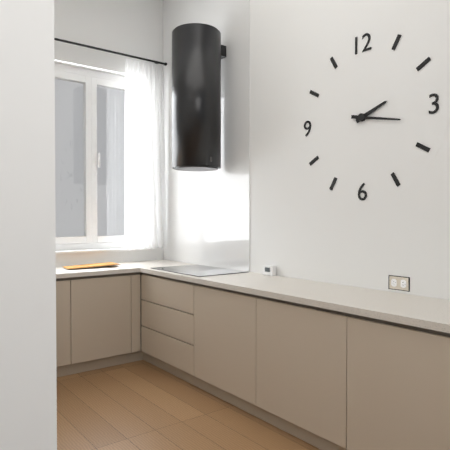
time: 2:17
